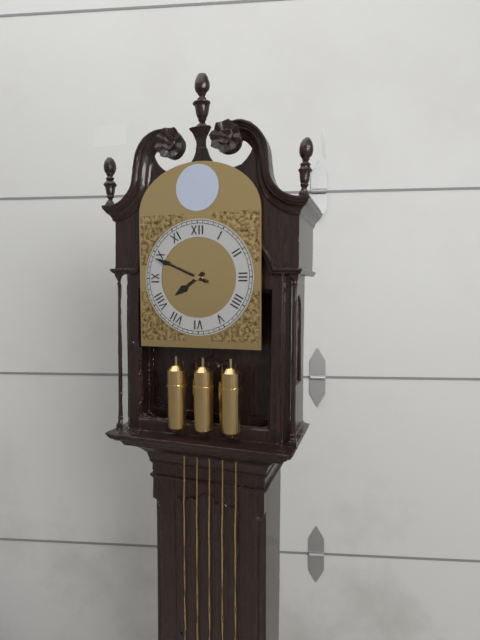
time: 7:49
